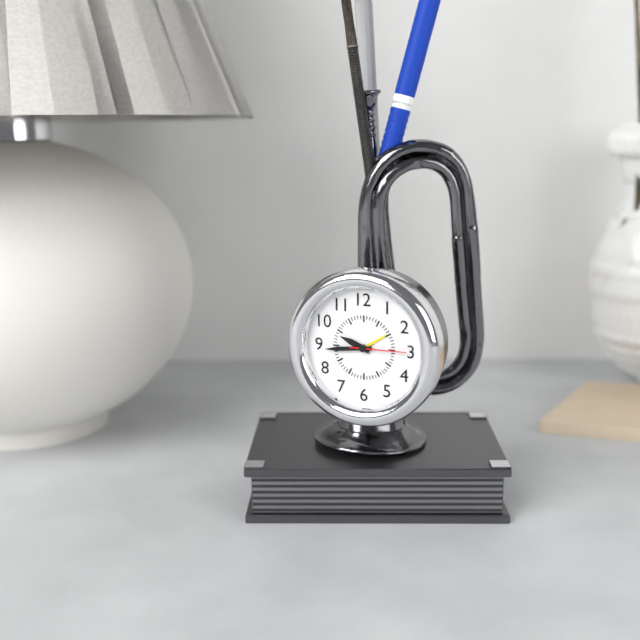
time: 9:44:15
